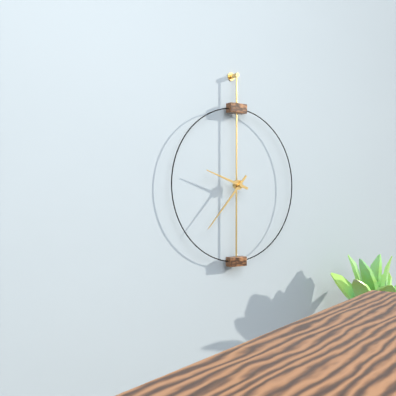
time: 9:37
